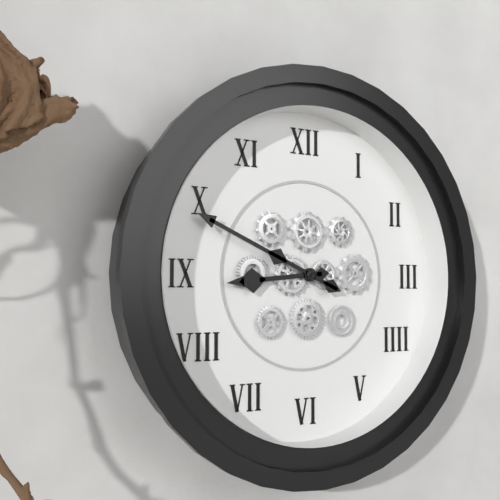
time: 8:49
